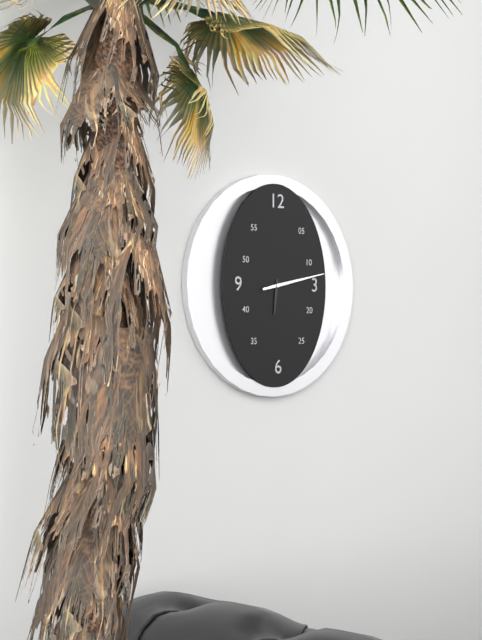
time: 6:13
